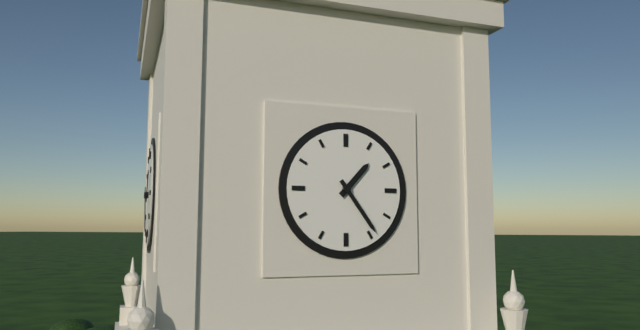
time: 1:24
